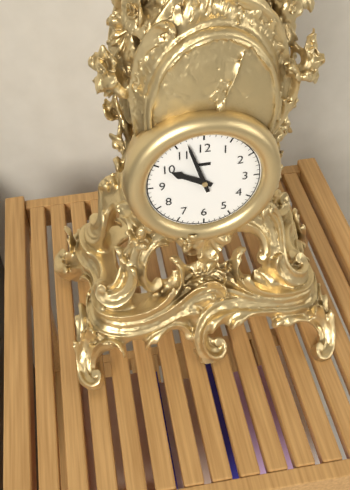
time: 9:57
